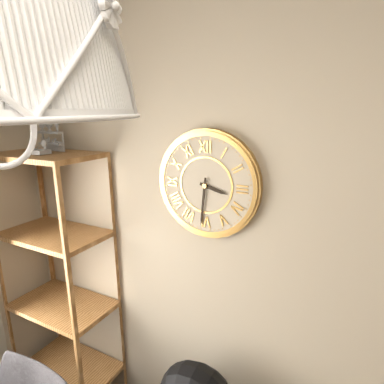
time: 3:31
